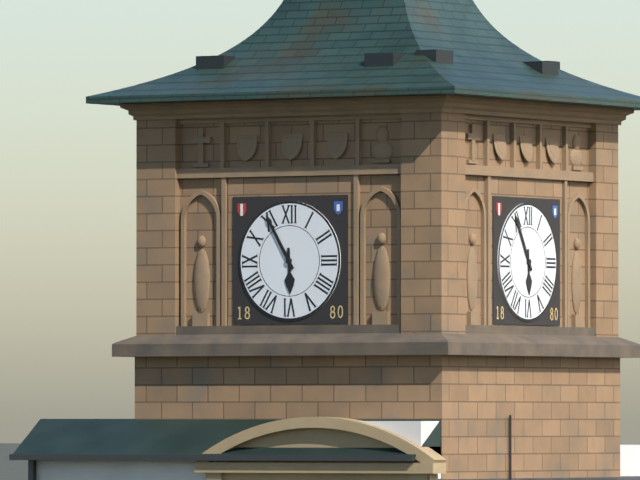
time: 5:55
